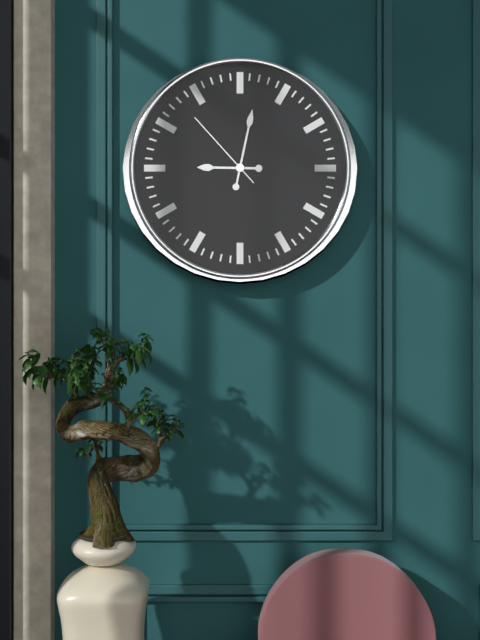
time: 9:02:53
